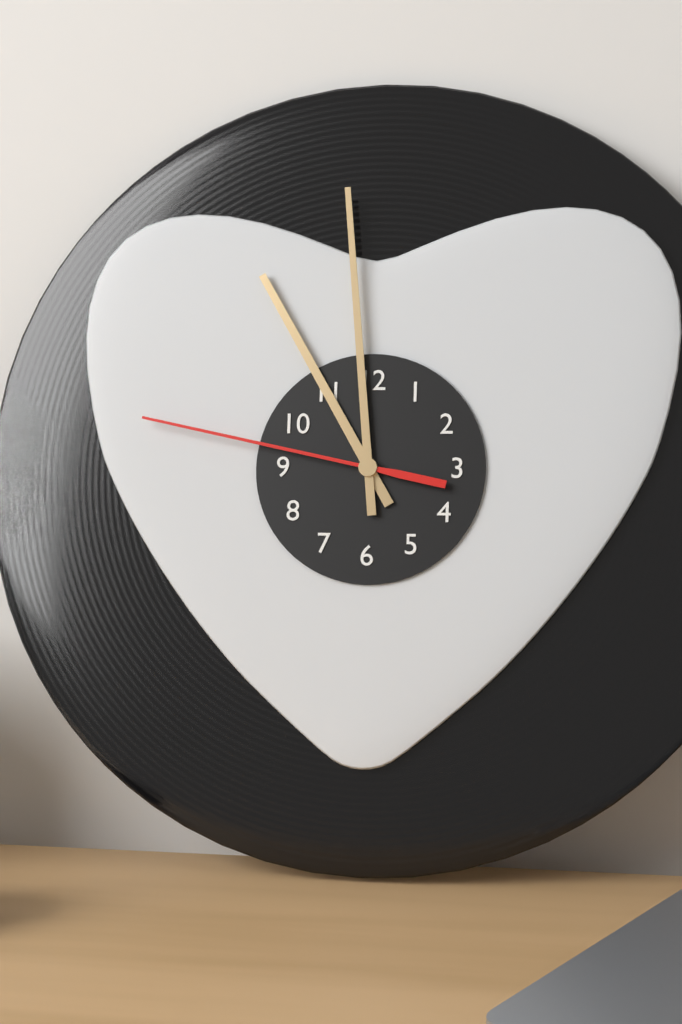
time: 10:59:47
